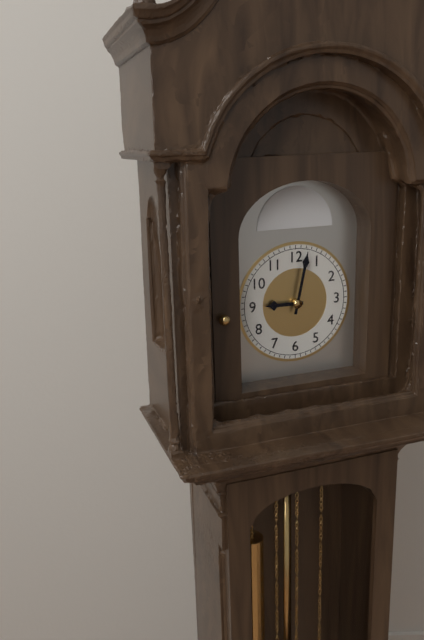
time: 9:02
